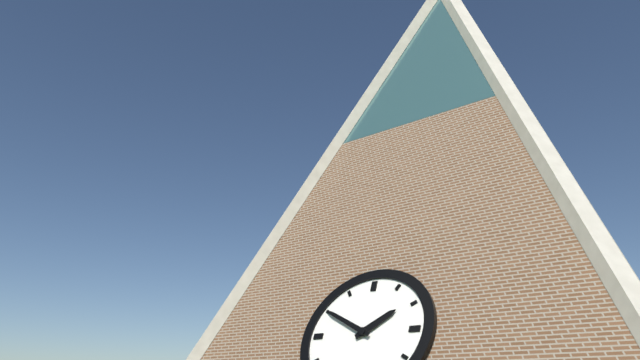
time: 1:50
